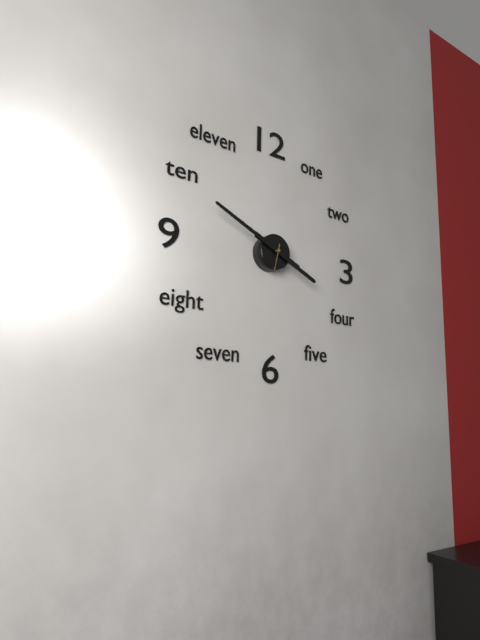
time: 3:49
